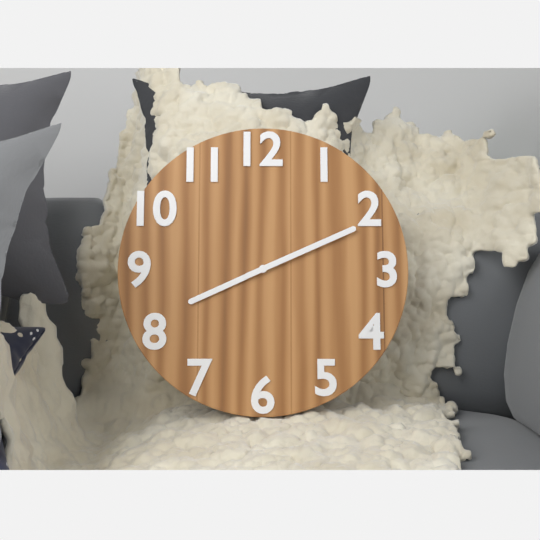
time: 8:11
